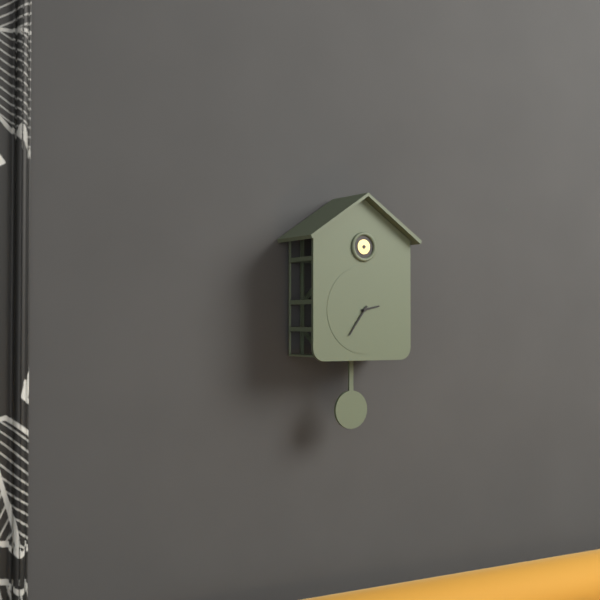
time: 2:36
